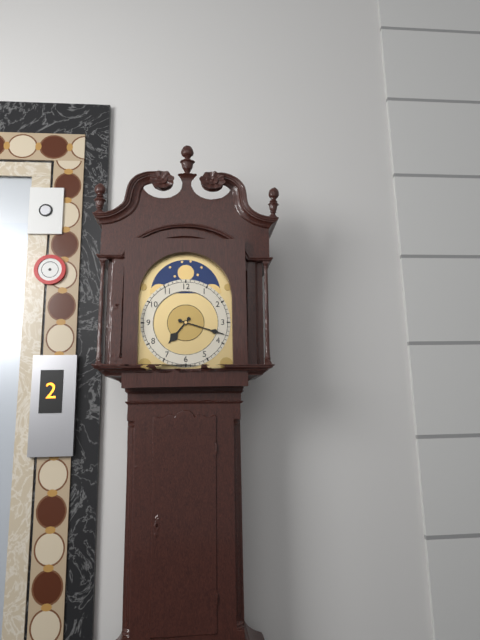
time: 7:18
